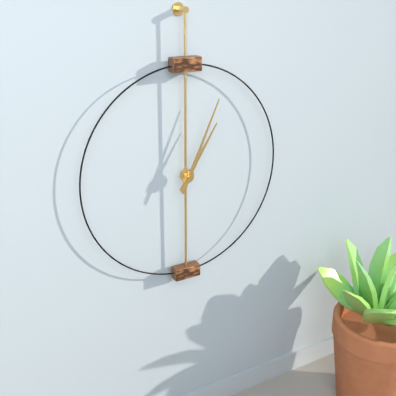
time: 1:04
